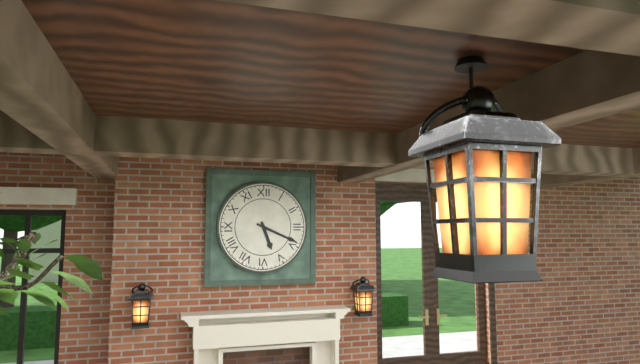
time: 5:19
